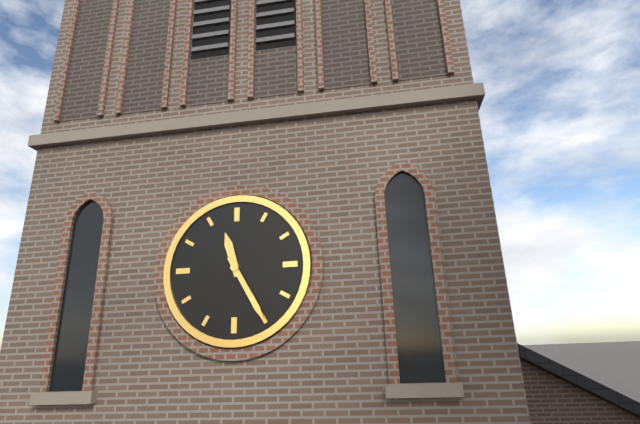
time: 11:25
